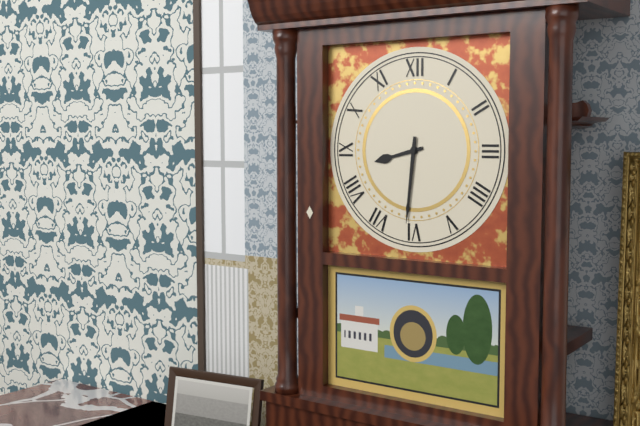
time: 8:31
